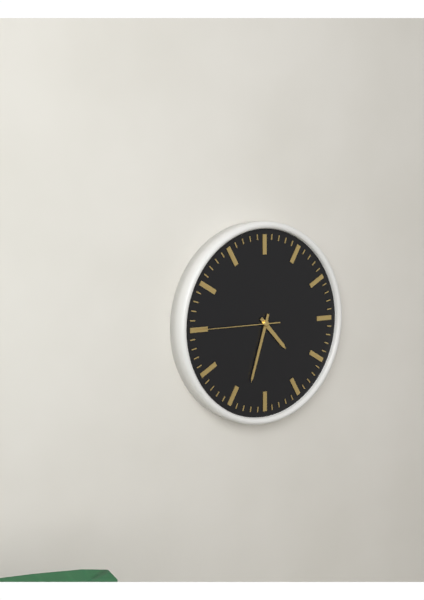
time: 4:33:45
